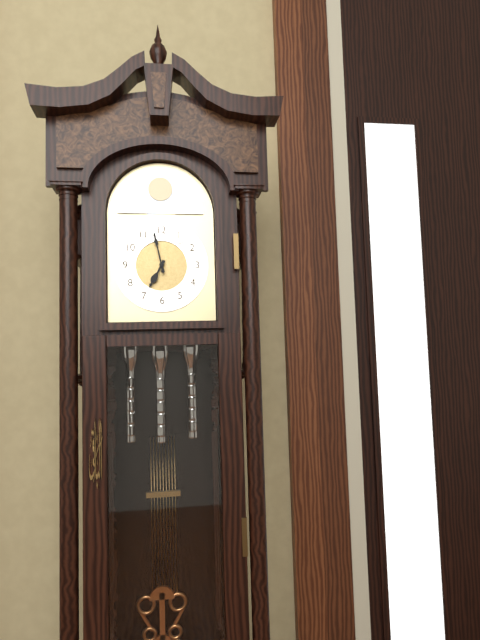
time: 6:58
